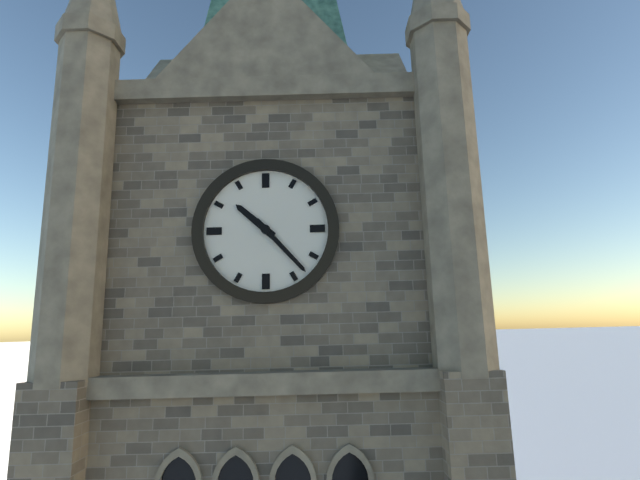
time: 10:23
